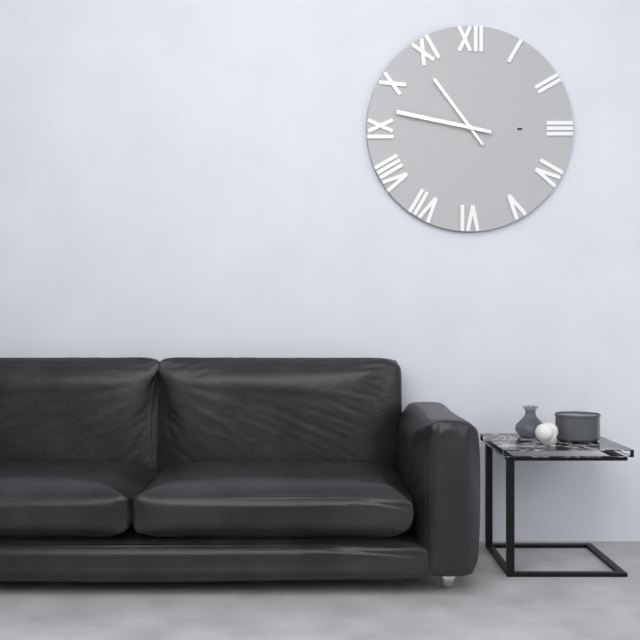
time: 10:47
